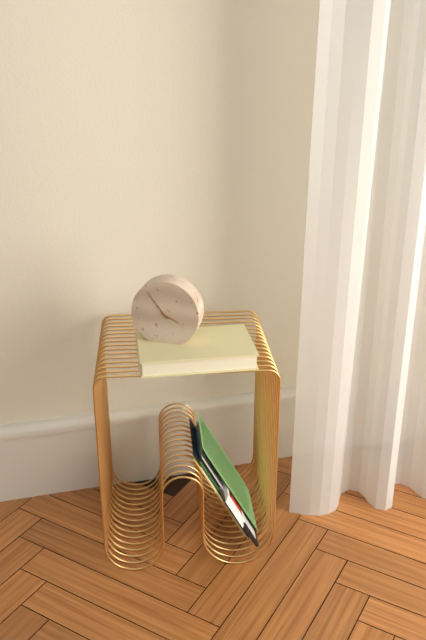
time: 3:54
